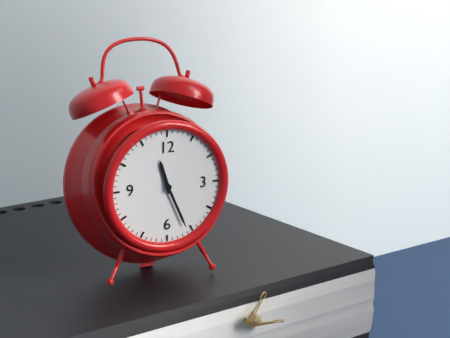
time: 11:26
